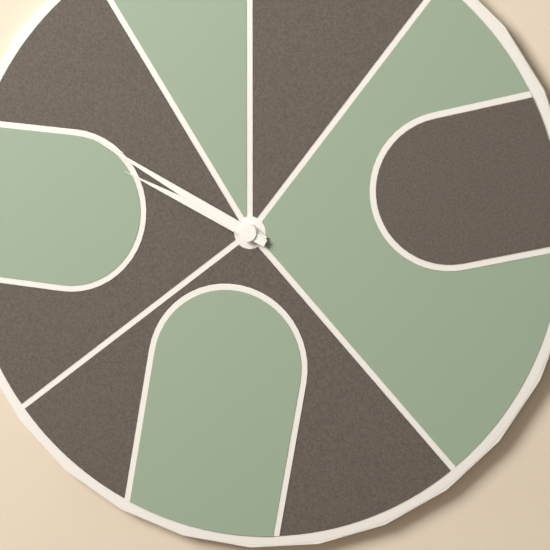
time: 9:50
